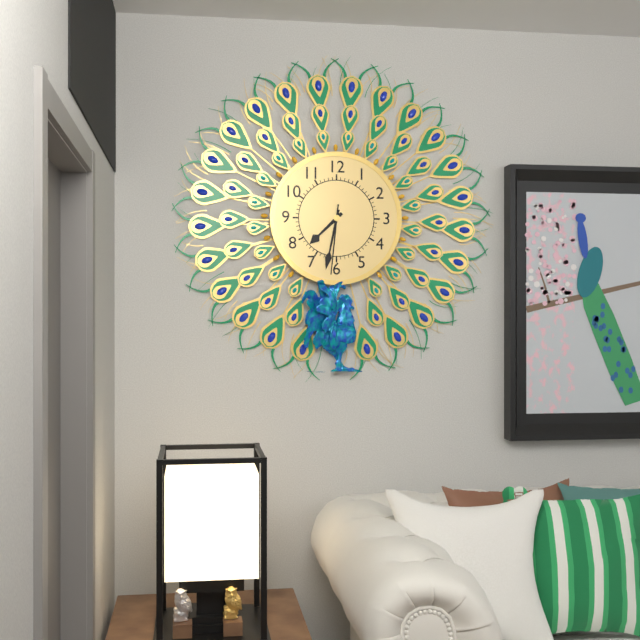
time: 7:32:31
